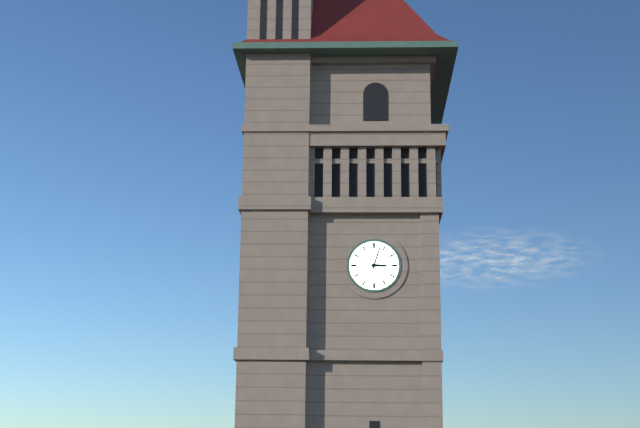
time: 3:03
